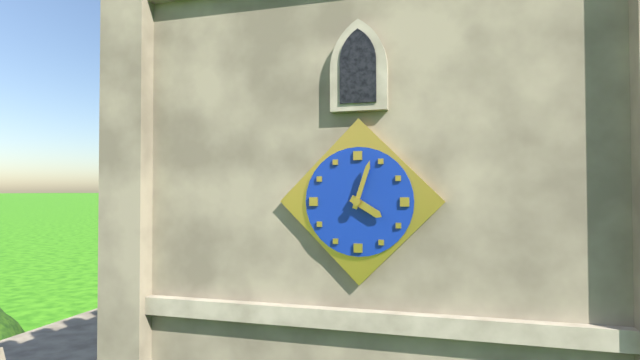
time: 4:03
